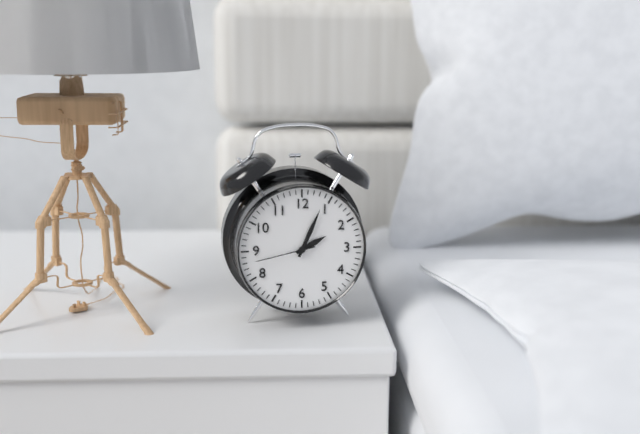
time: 2:04:43
